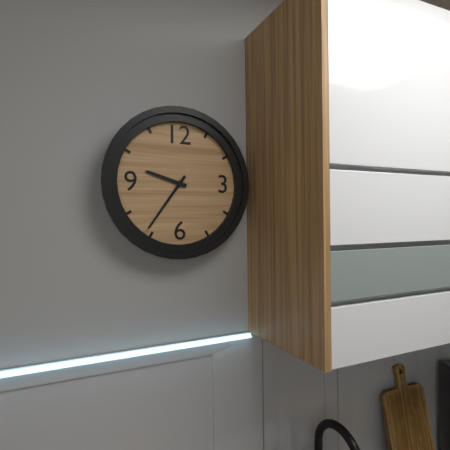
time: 9:36
